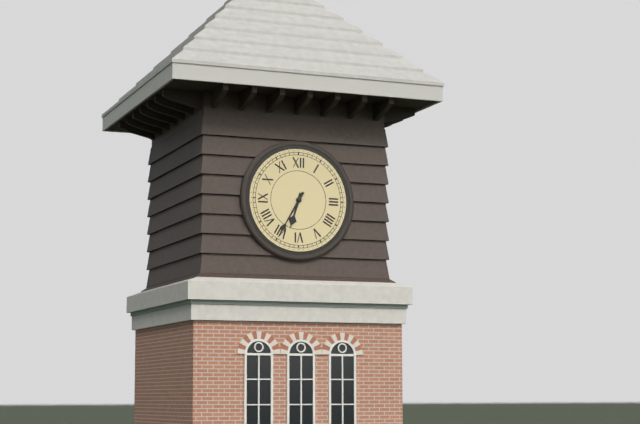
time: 6:35
